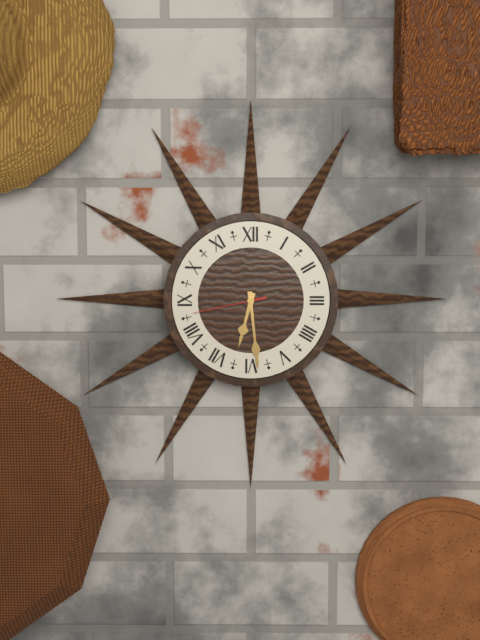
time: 6:29:43
